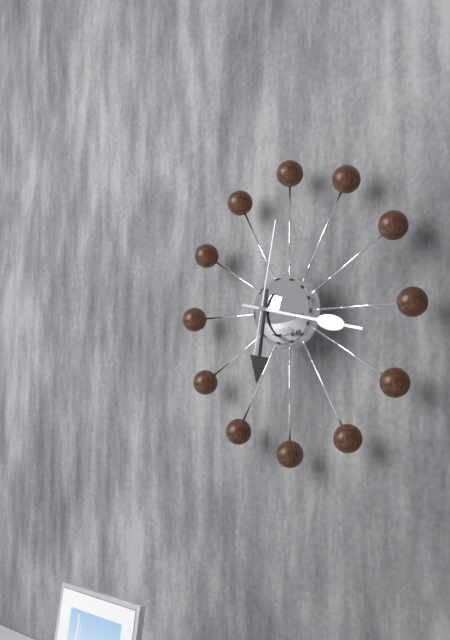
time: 6:17:02
